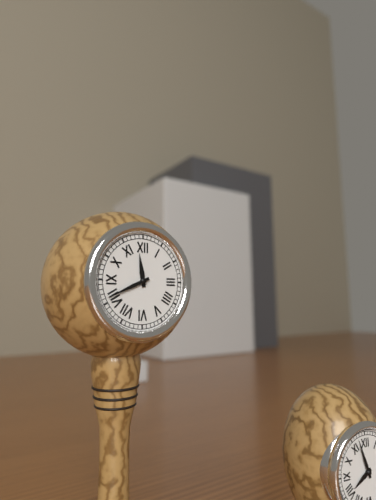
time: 11:41
